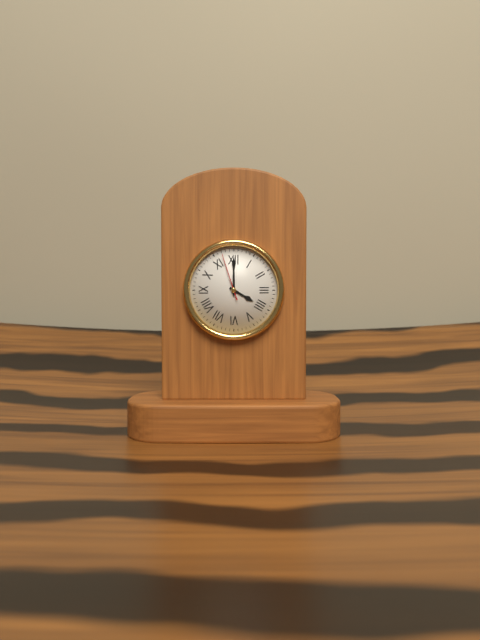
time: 4:00
